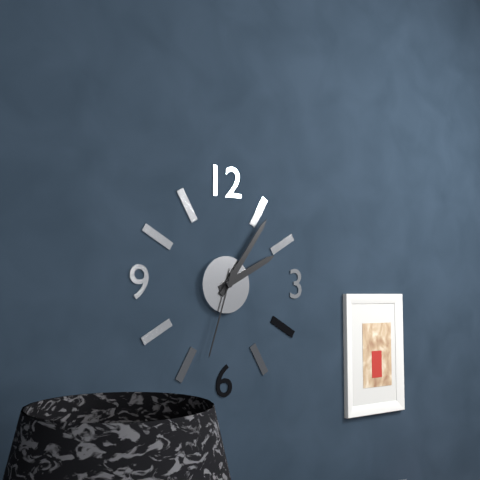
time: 2:06:33
